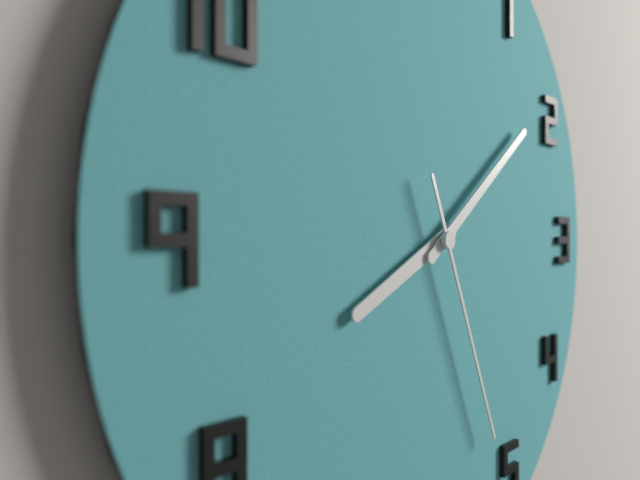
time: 8:09:26
